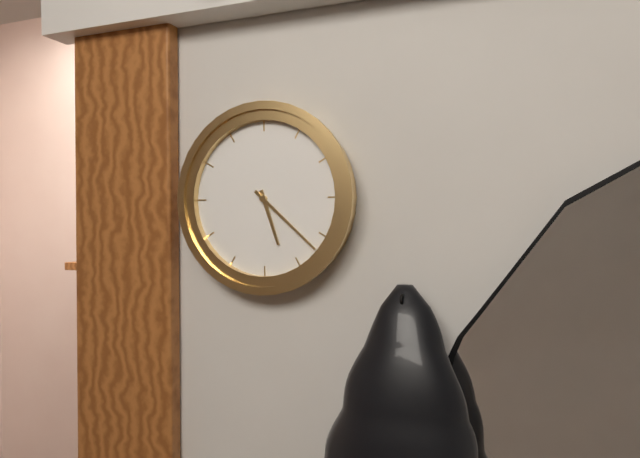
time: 5:22
